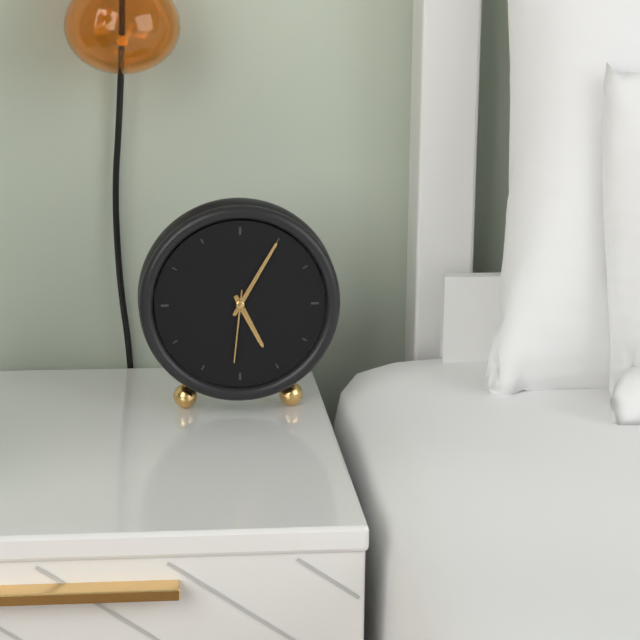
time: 5:05:31
